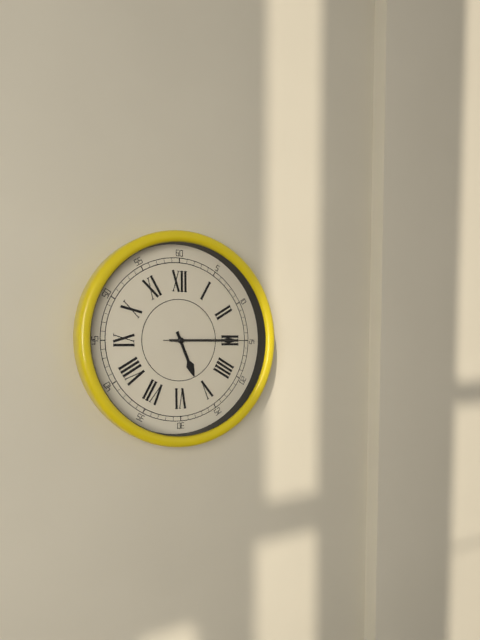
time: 5:15:15
